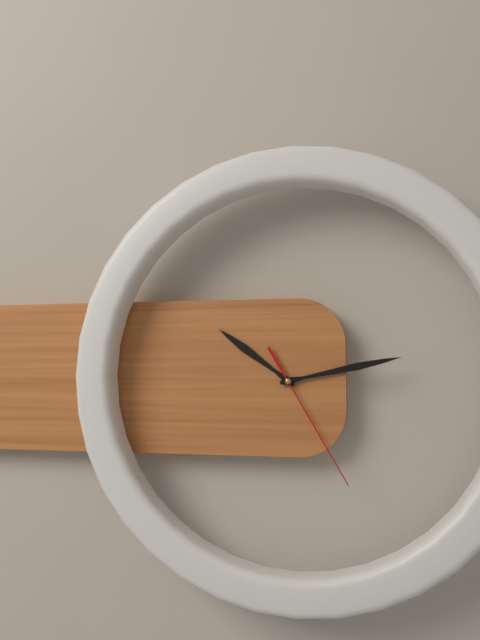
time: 10:13:25
